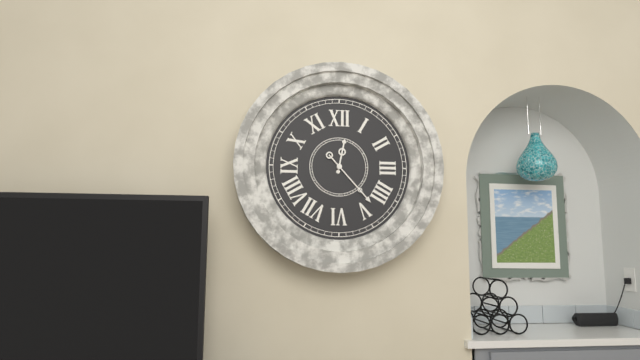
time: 12:23
